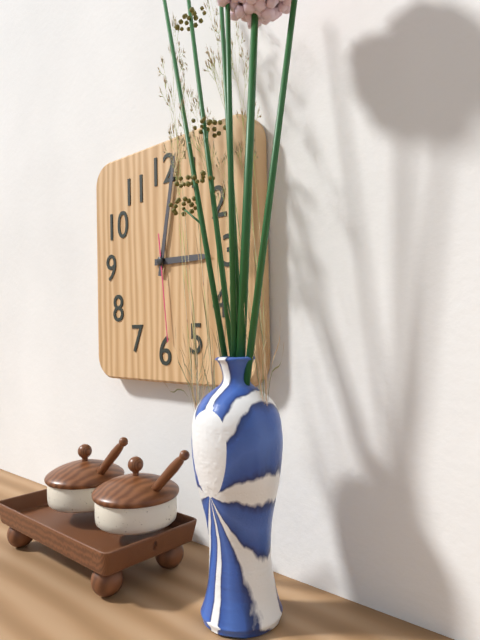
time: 3:02:29
